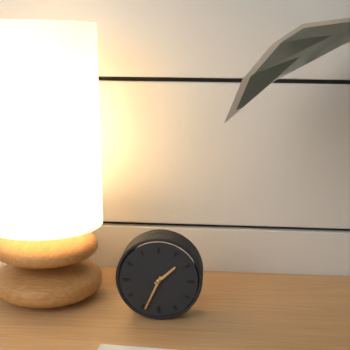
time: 1:34
